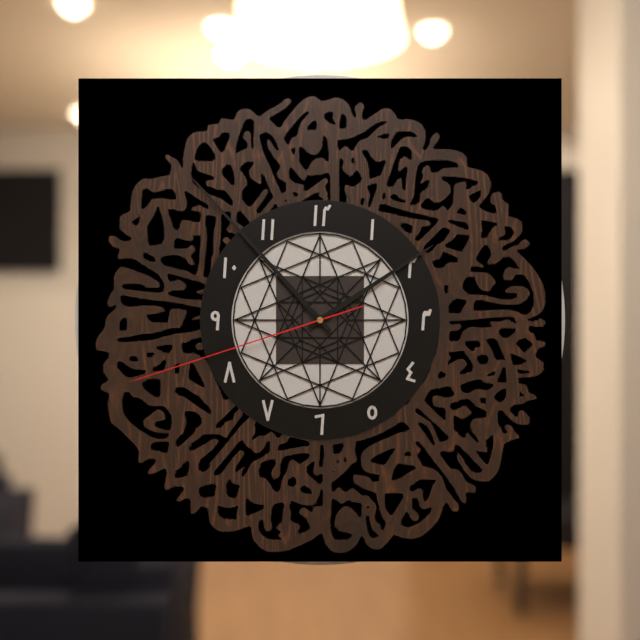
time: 1:53:42
